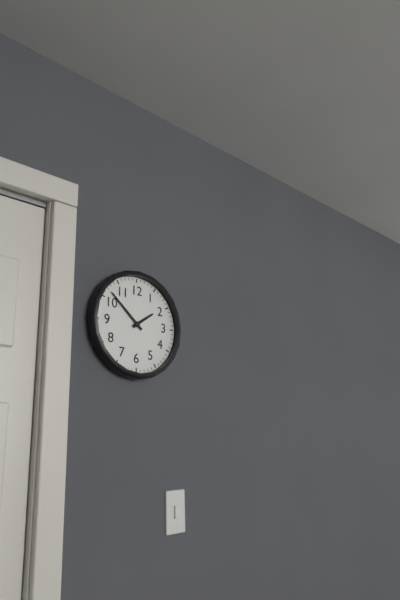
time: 1:52
